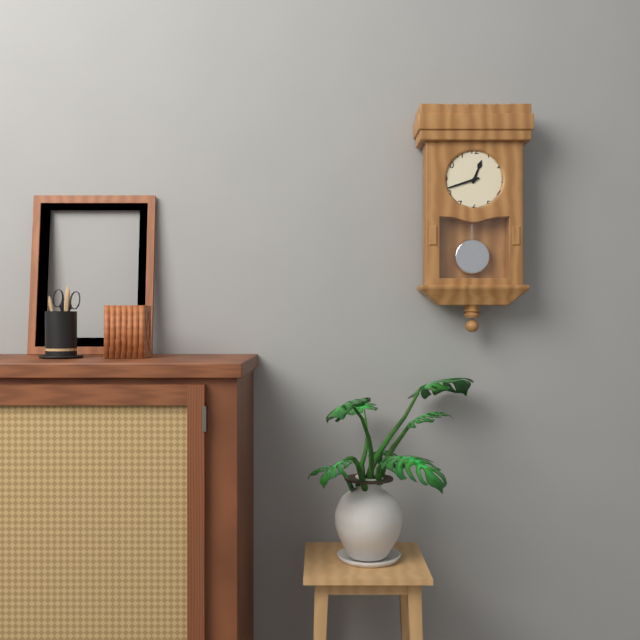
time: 12:42
